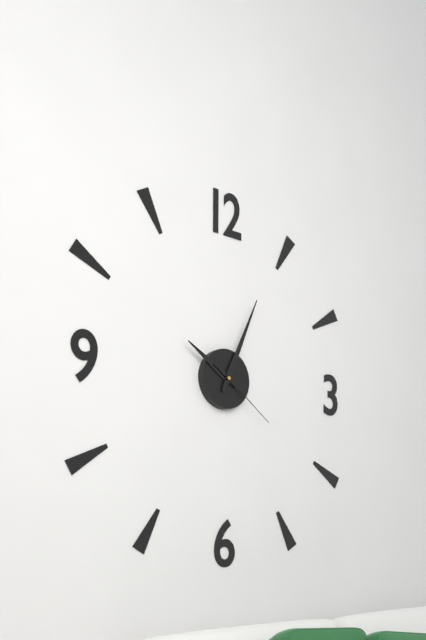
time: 10:04:21
